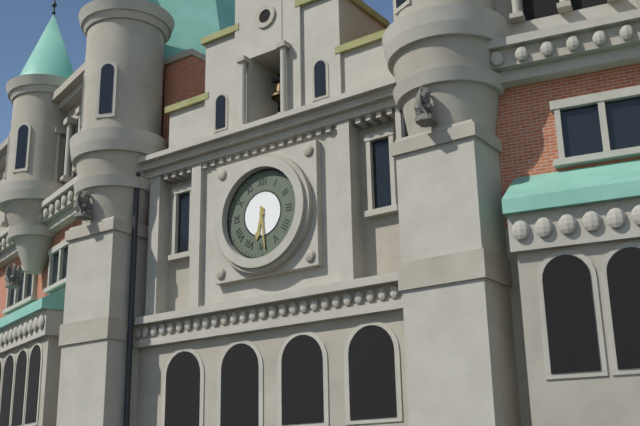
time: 6:29
